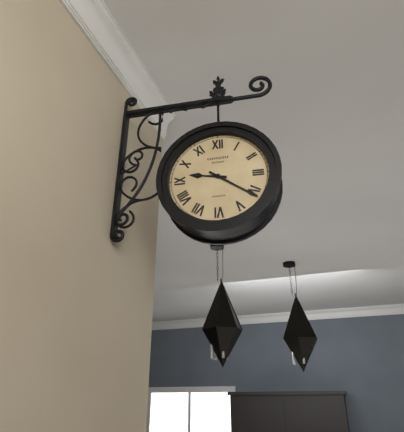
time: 9:21
